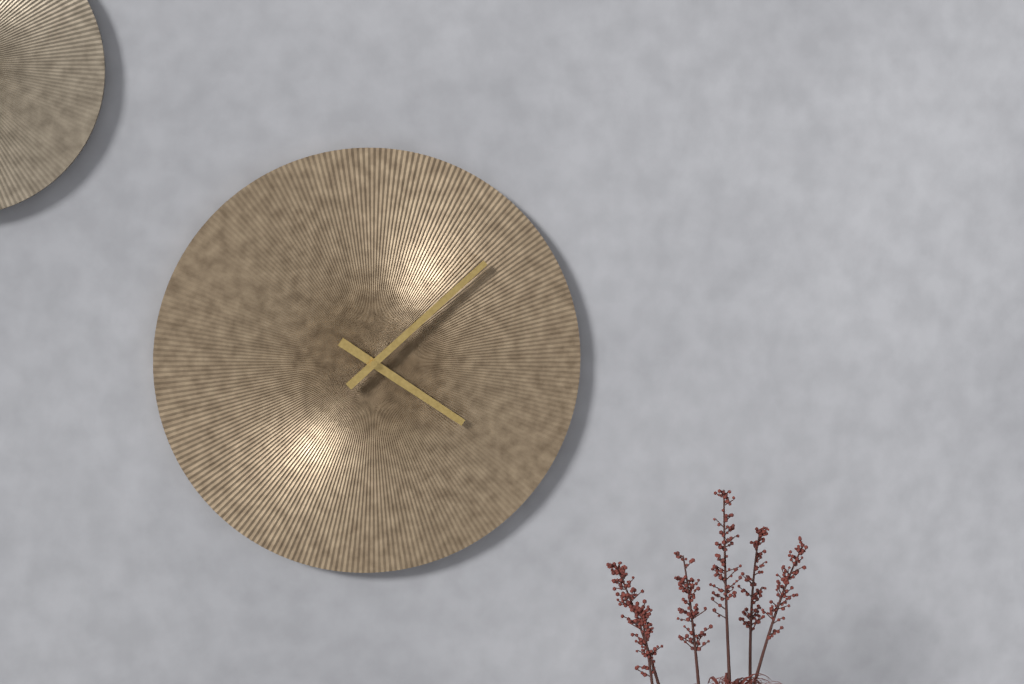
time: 4:08
